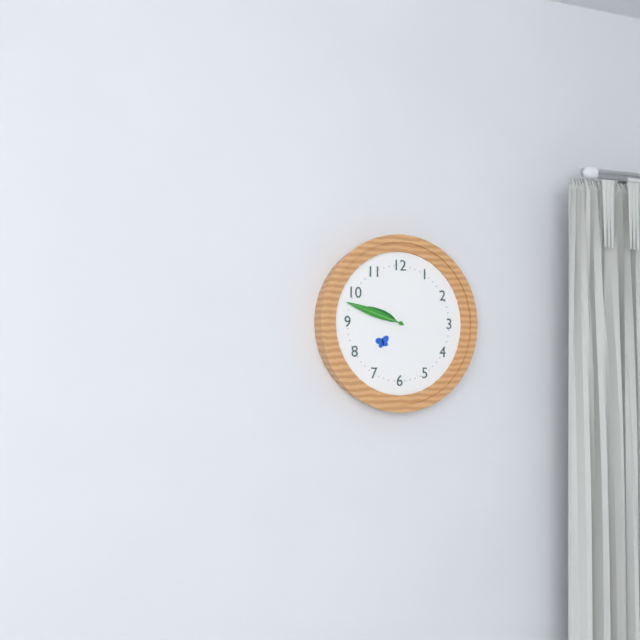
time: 9:48
